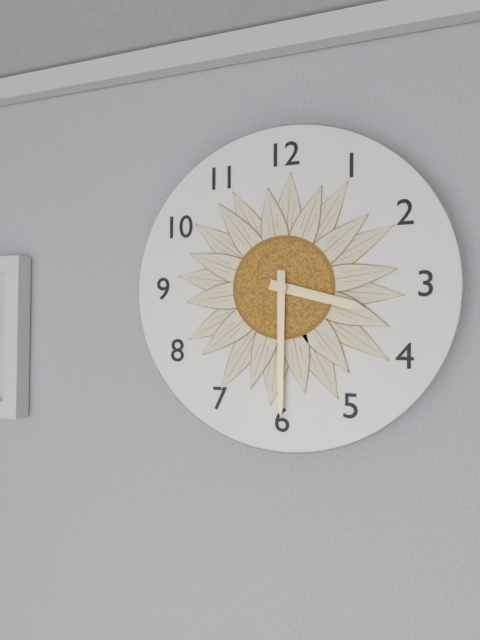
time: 3:30
